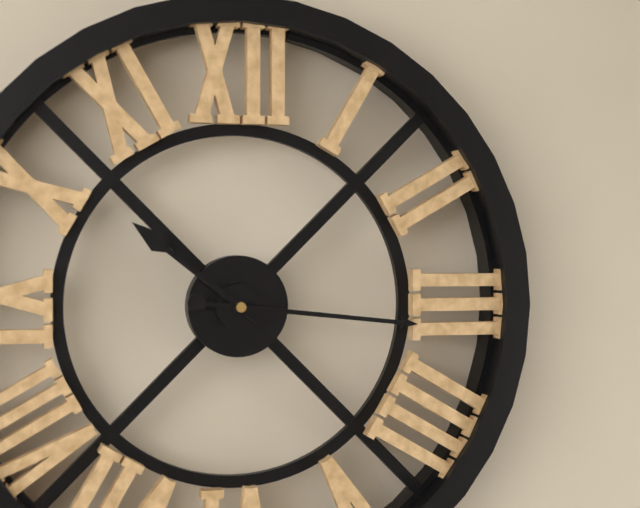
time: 10:16
